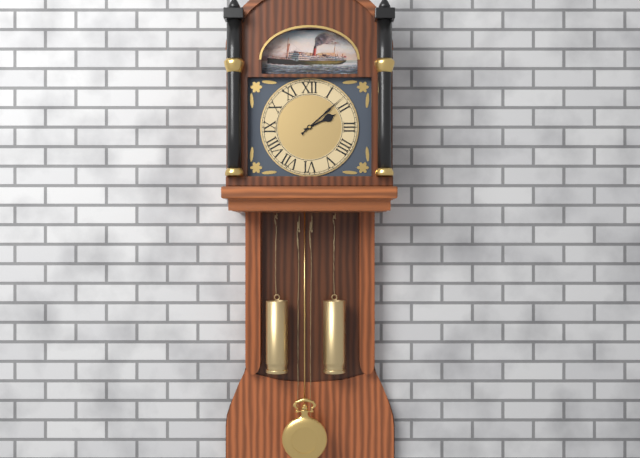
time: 2:08
